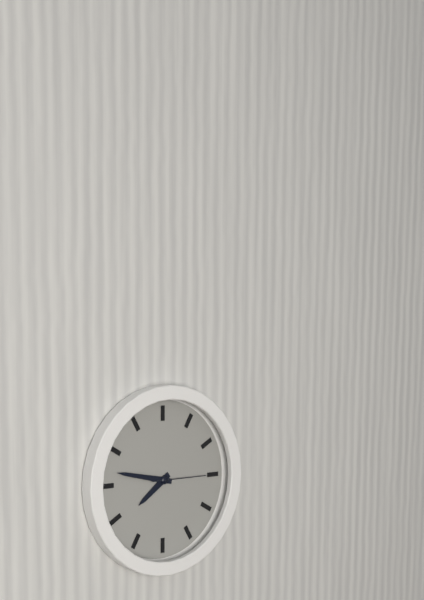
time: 7:47:15
